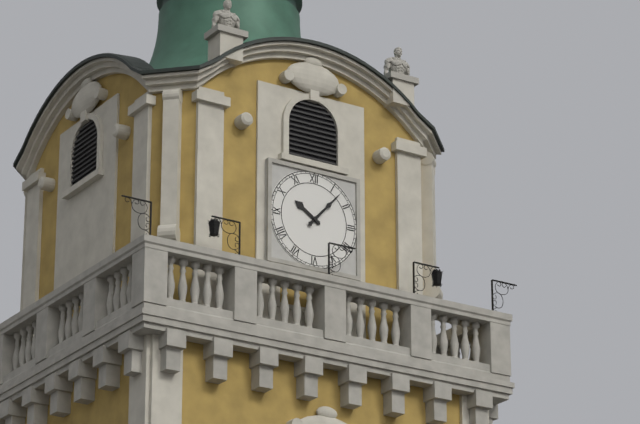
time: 10:07
